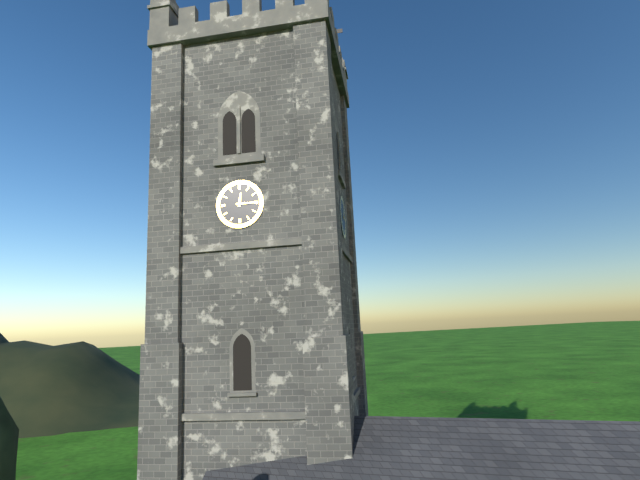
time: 12:15
